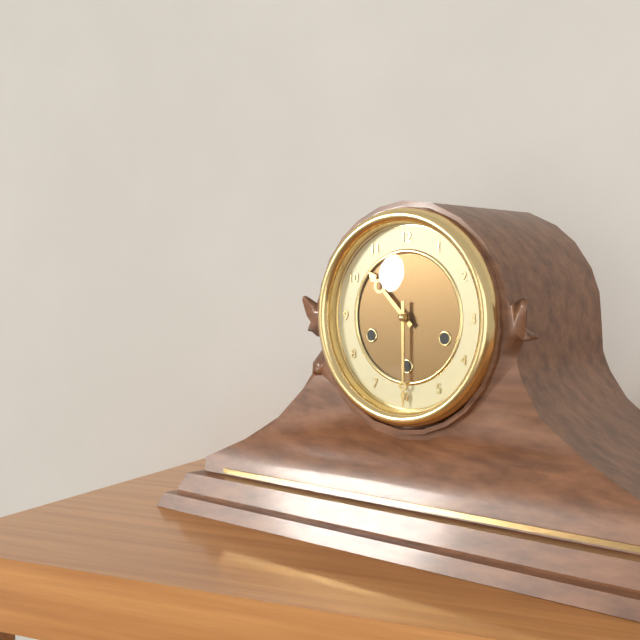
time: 10:30
